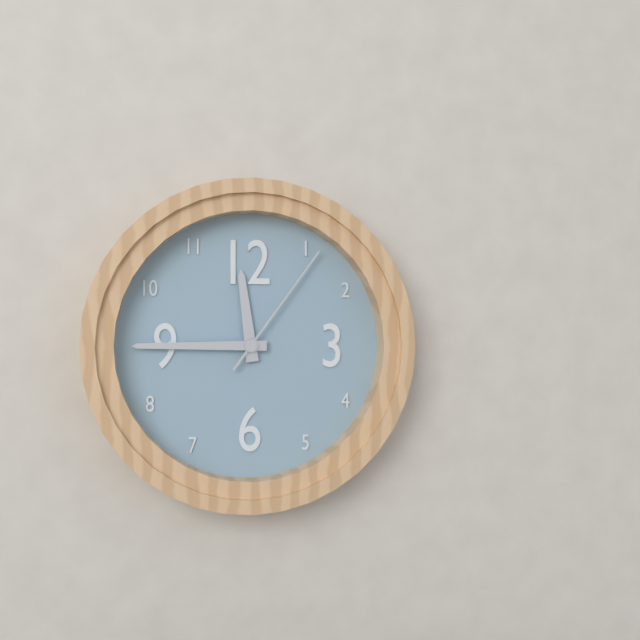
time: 11:45:06
